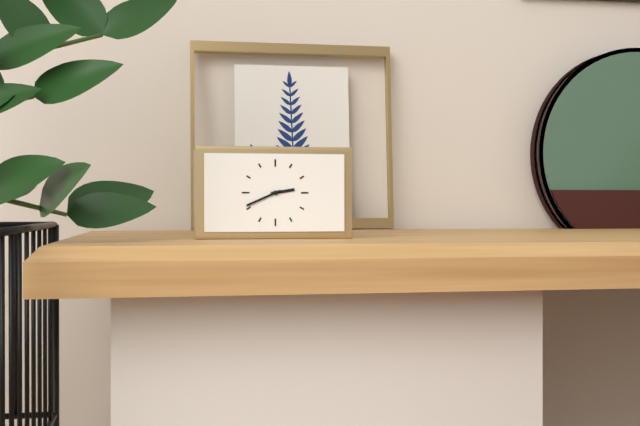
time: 2:41
